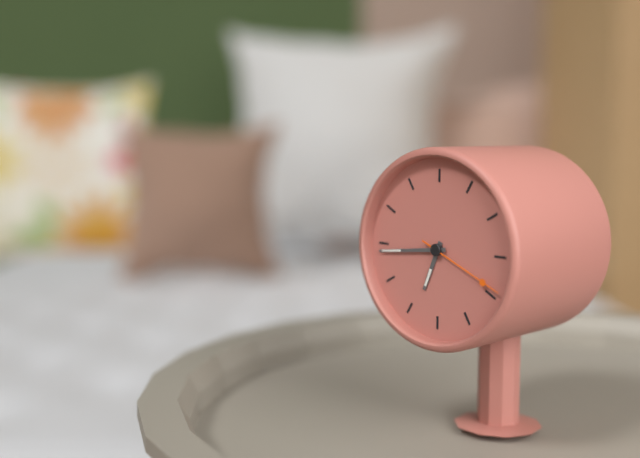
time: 6:44:19
